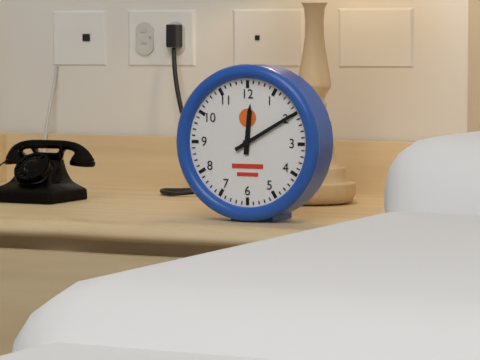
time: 12:10
